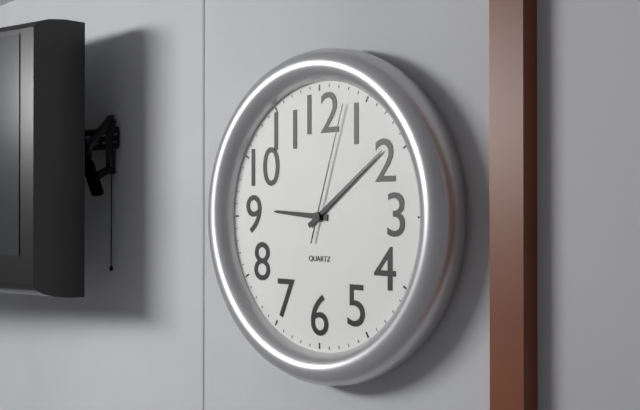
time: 9:09:03
